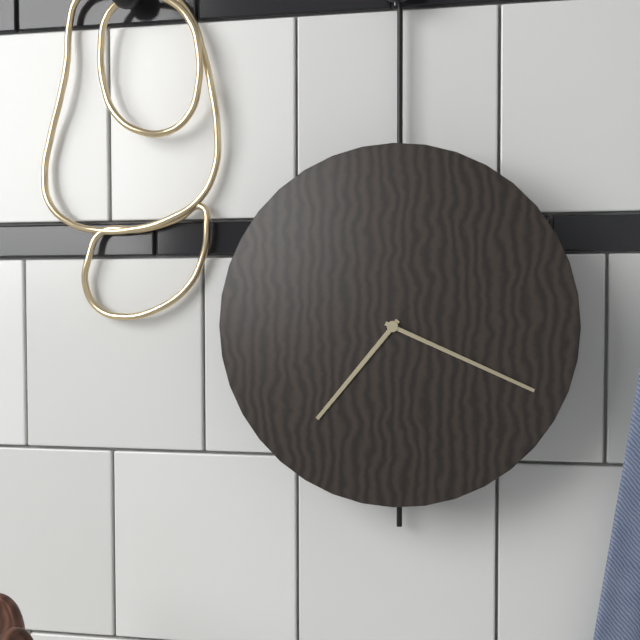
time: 7:19
